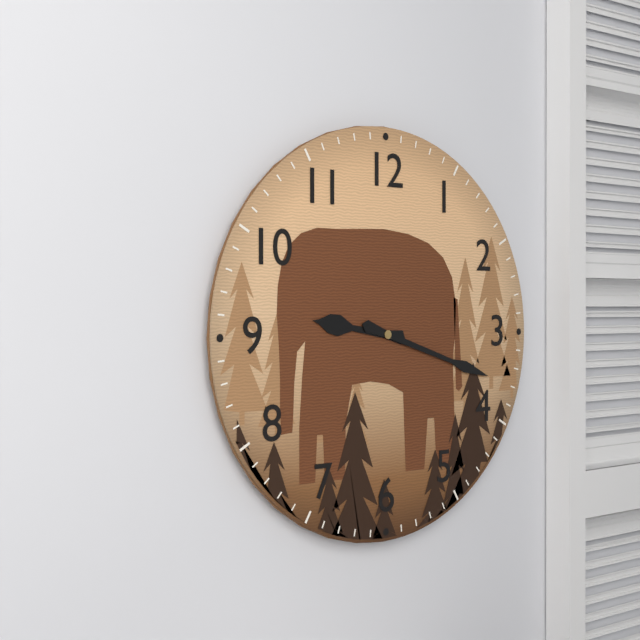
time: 9:18
